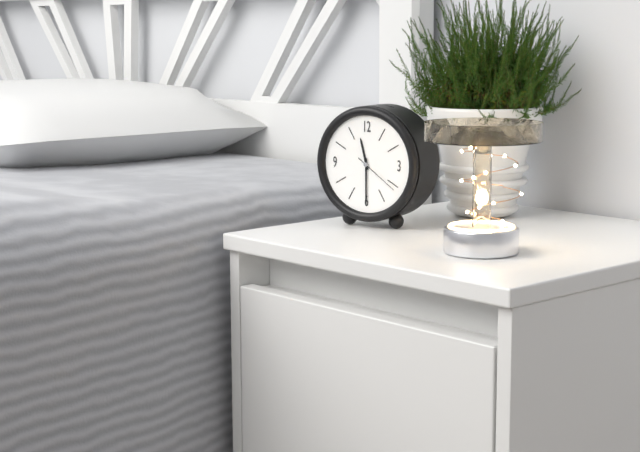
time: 11:30
